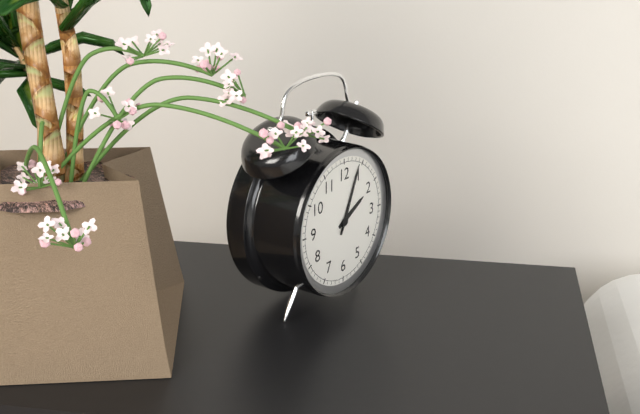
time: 2:04
